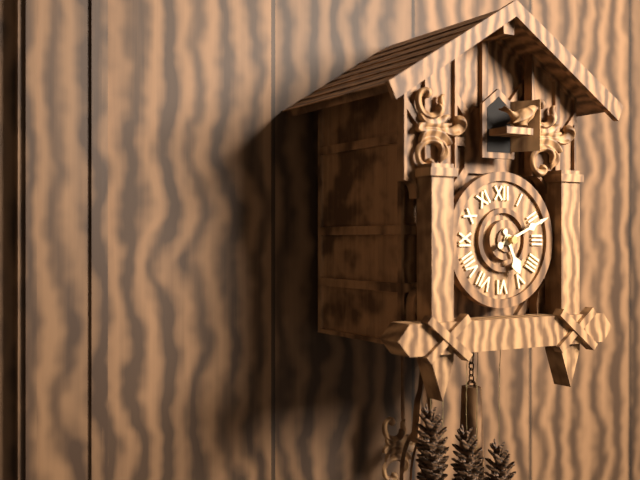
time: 5:11
